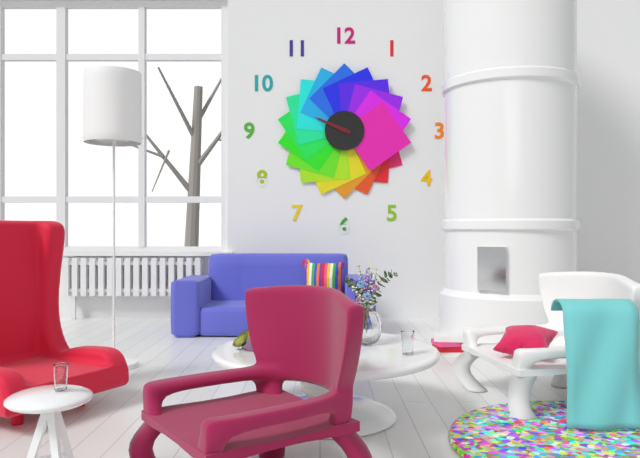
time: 9:49
